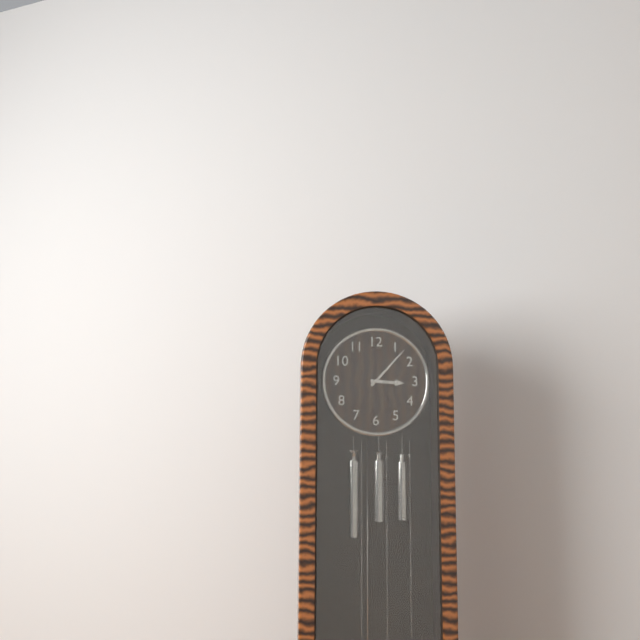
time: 3:07
